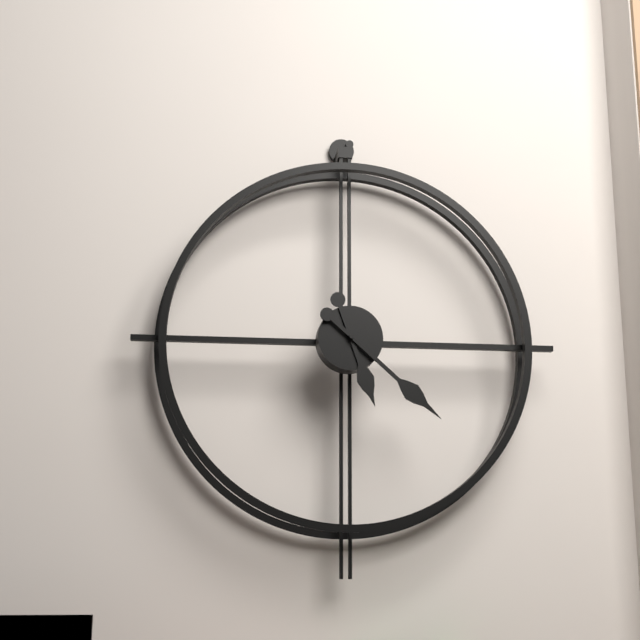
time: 5:22
